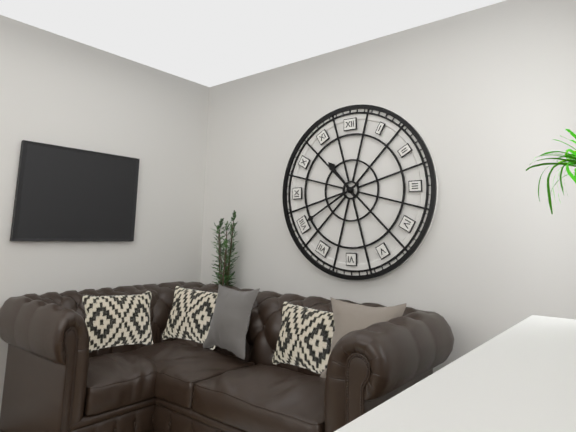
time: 10:40
